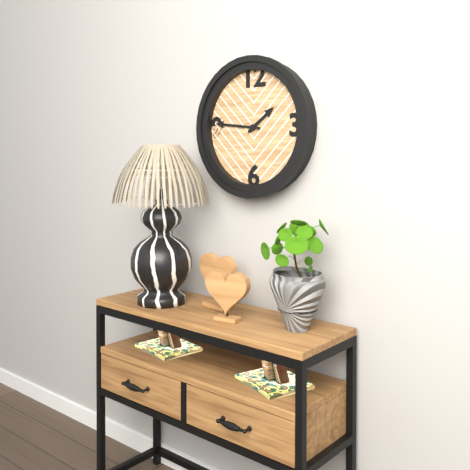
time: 1:46
